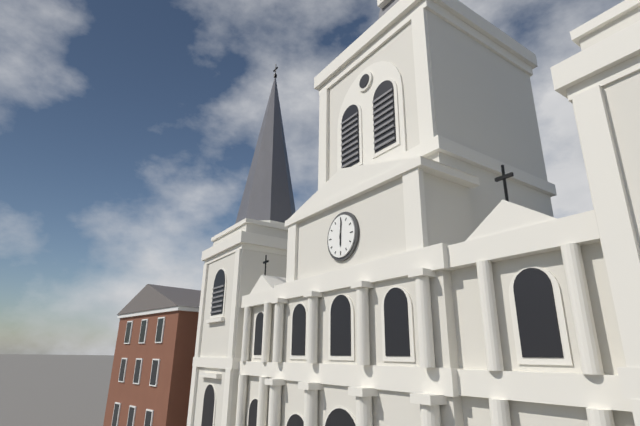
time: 6:01
